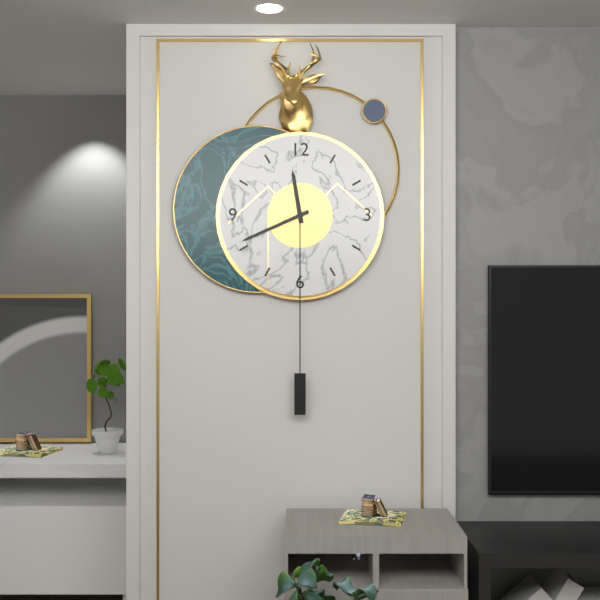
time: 11:41
